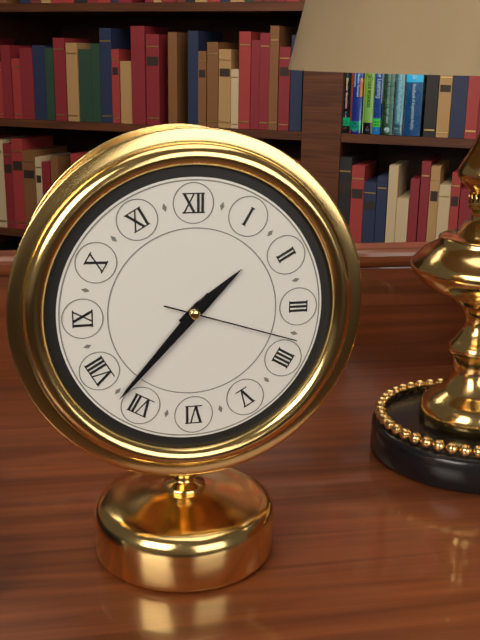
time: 1:37:18
